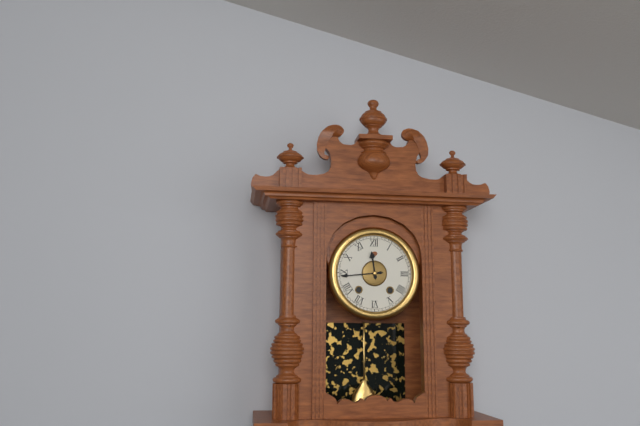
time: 11:44
